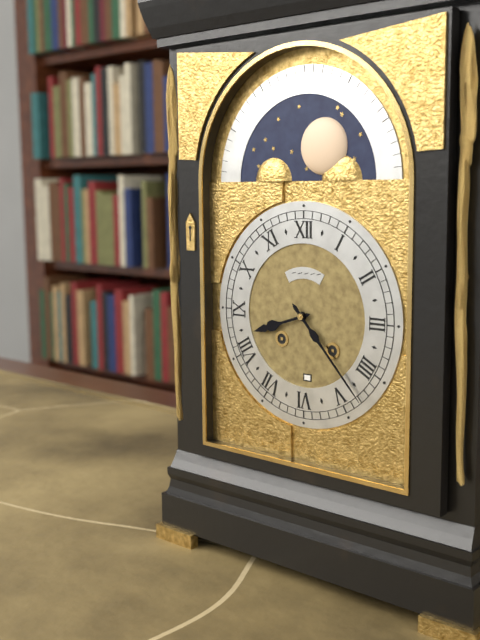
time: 8:23
